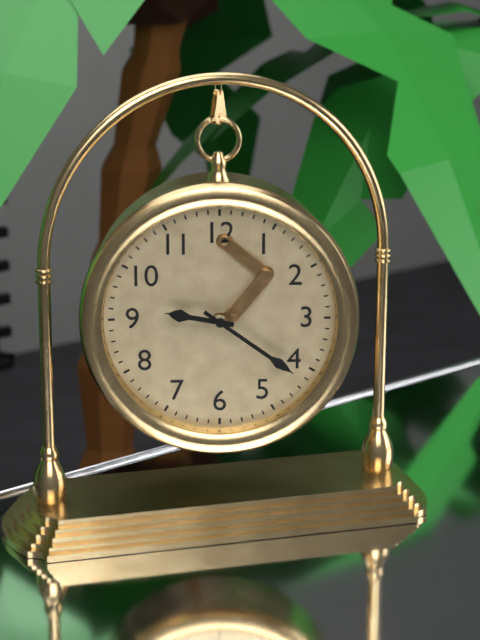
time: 9:21
